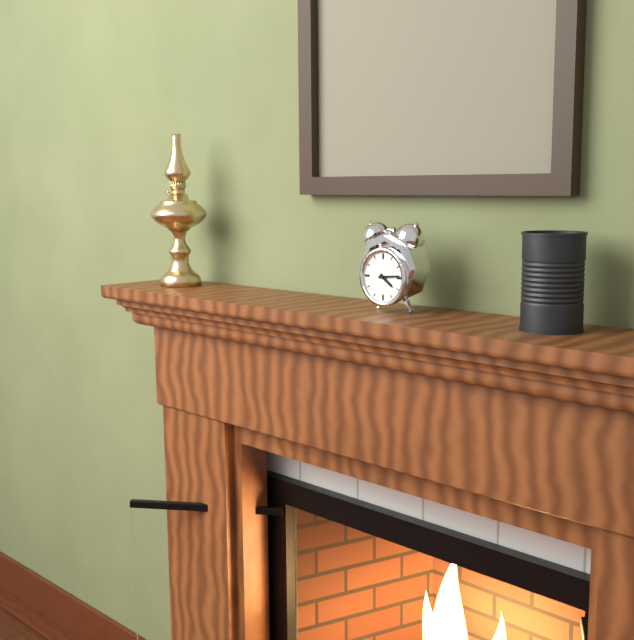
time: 4:14
